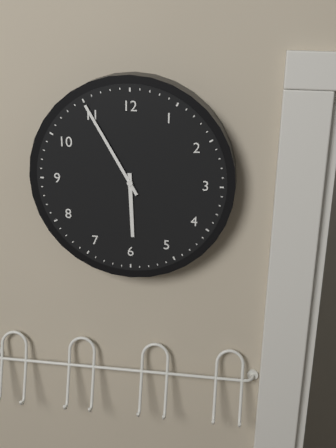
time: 5:55
